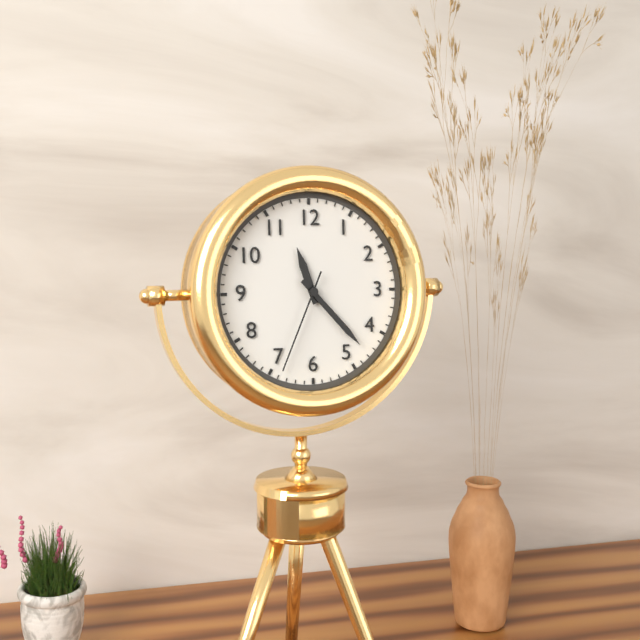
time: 11:23:34
